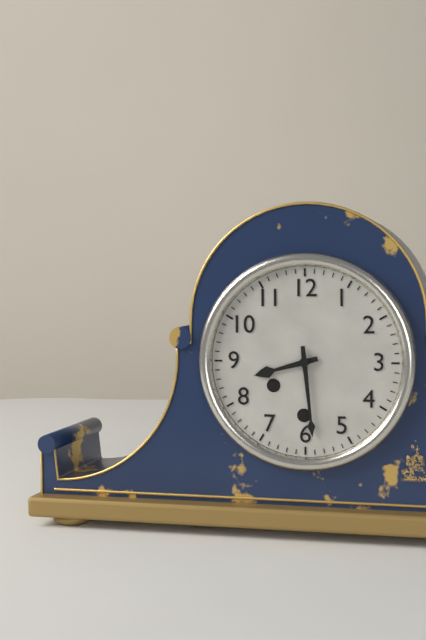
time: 8:29
